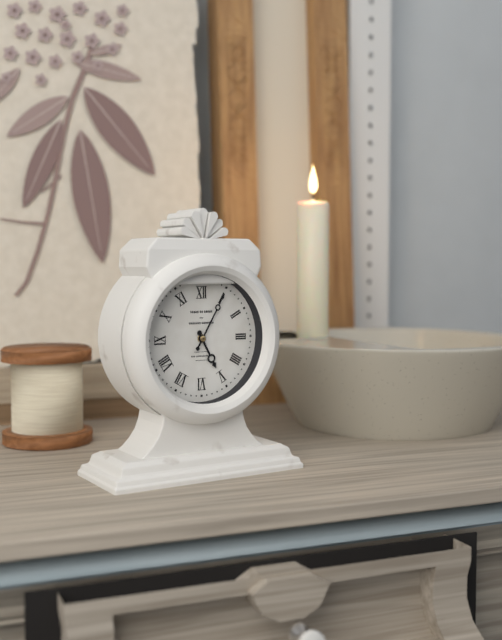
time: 5:05
